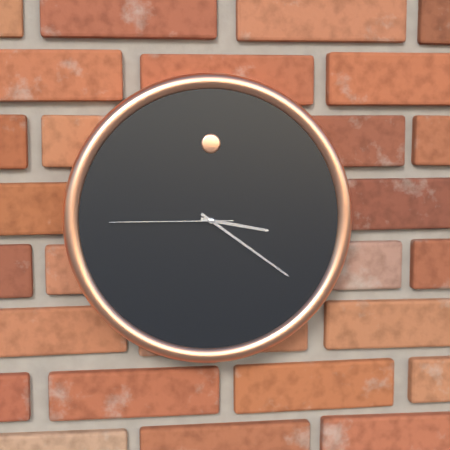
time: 3:21:45
